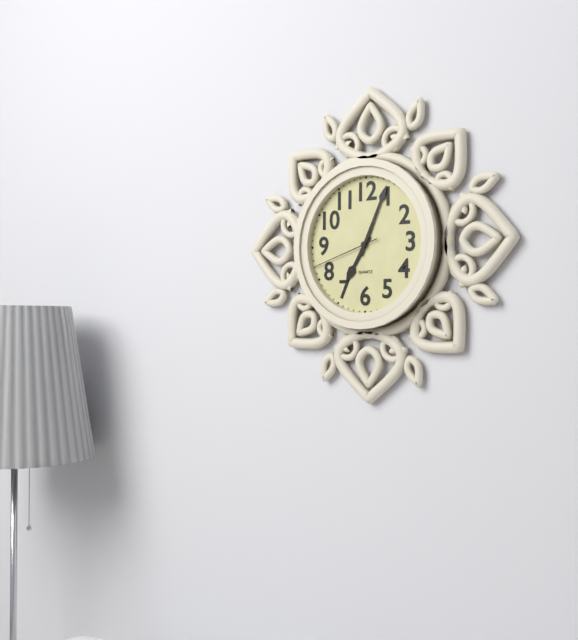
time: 7:04:42
